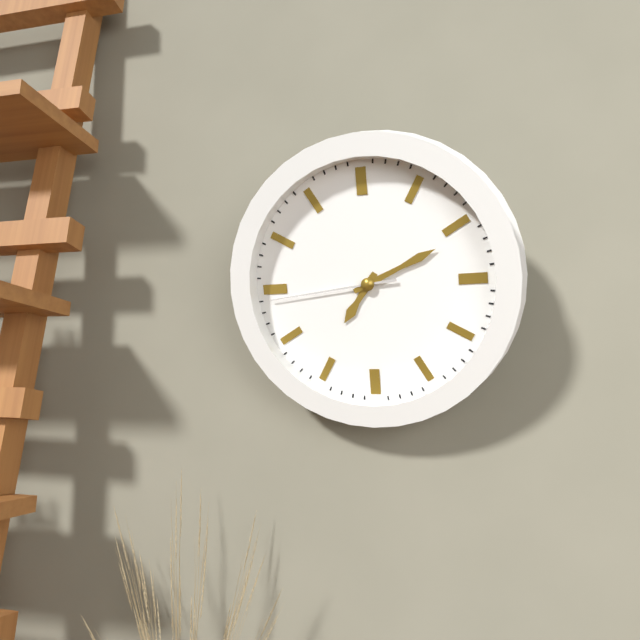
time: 7:11:44
